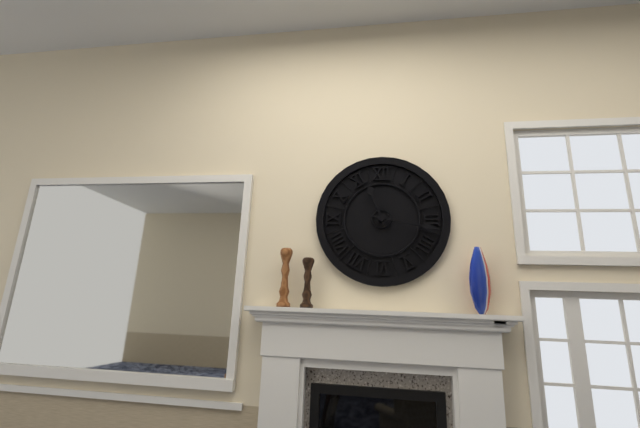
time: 11:17
